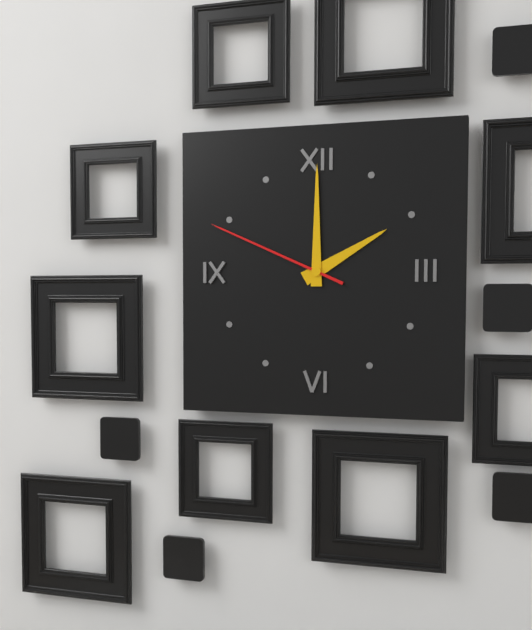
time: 2:00:49
